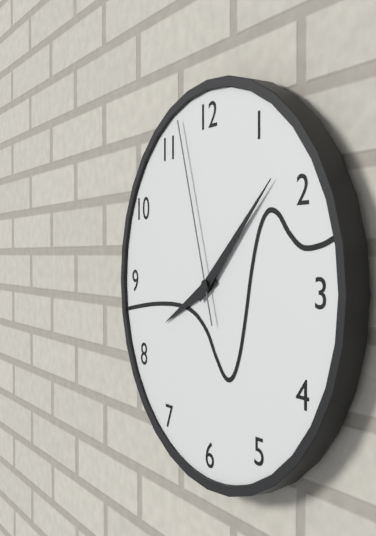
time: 8:08:57
